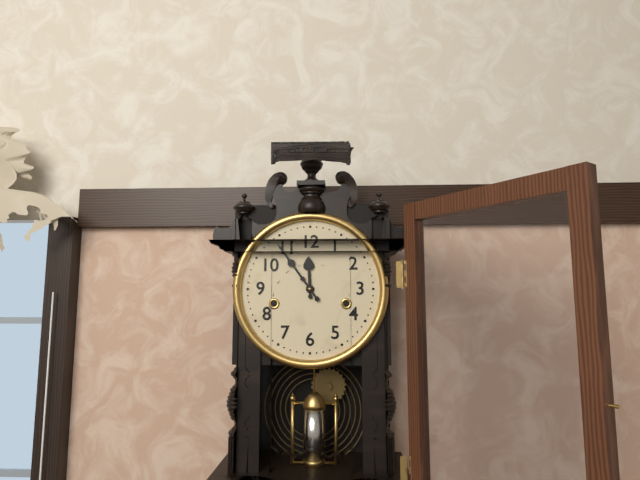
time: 11:54
